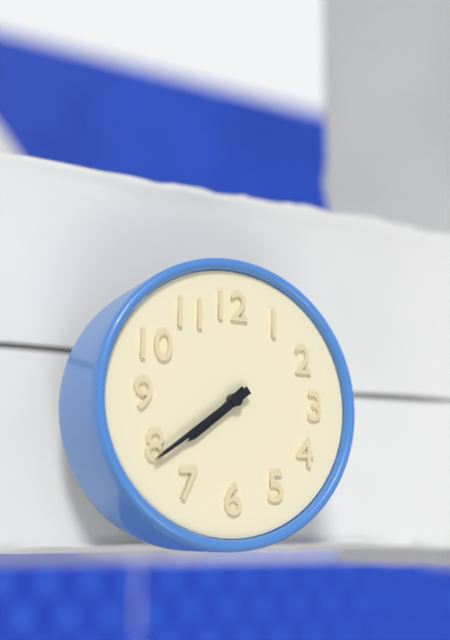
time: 7:39
